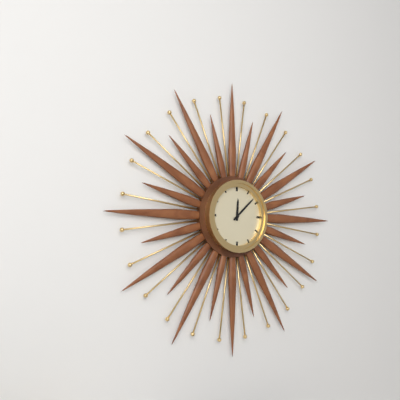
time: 12:08
